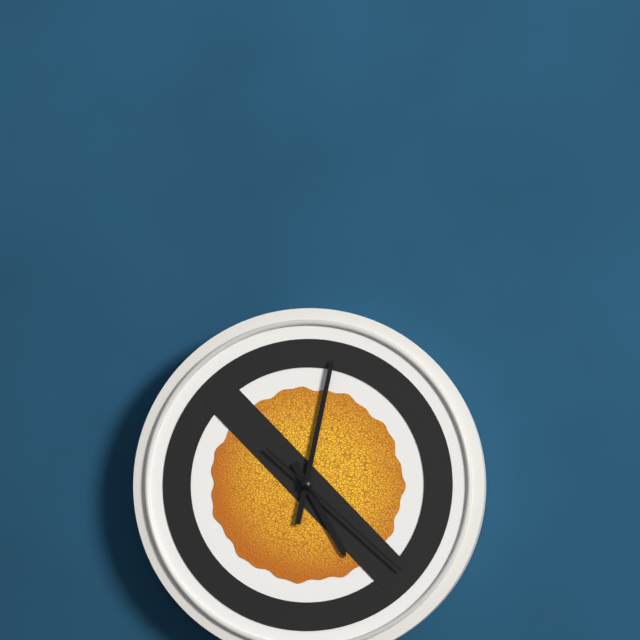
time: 5:02:22
